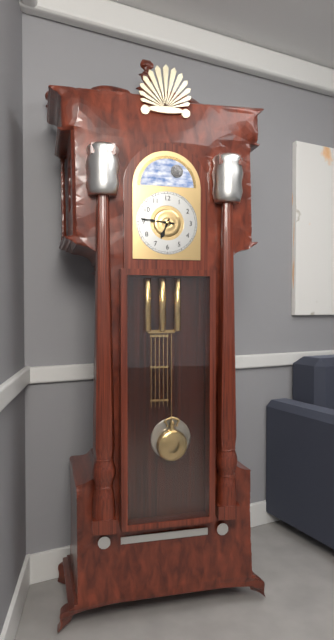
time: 6:46
